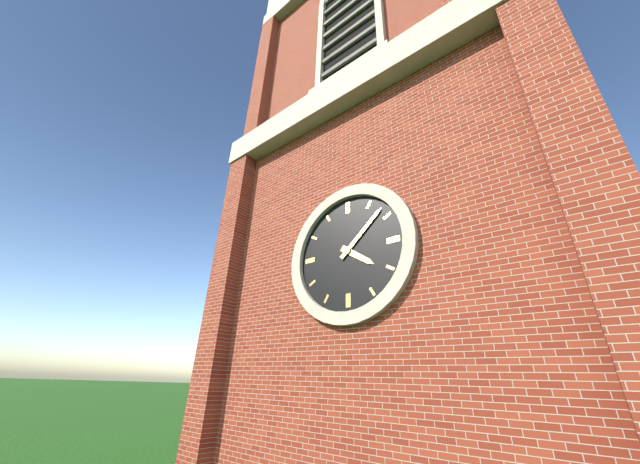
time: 4:08
